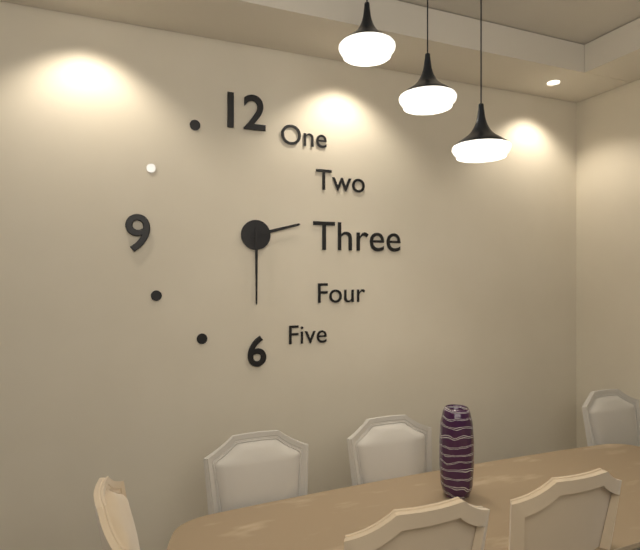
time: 2:30
